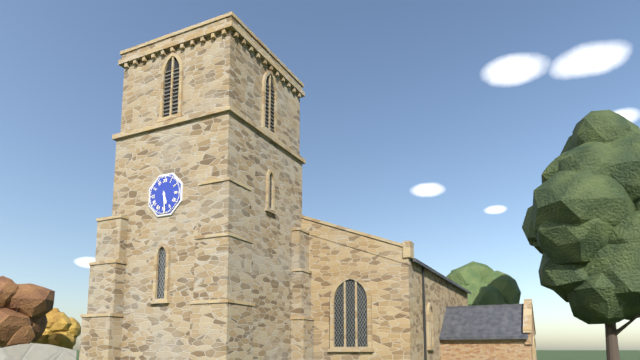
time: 5:29
